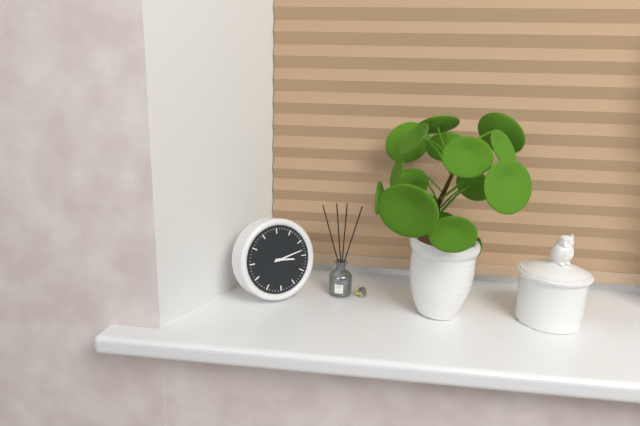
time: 3:13
